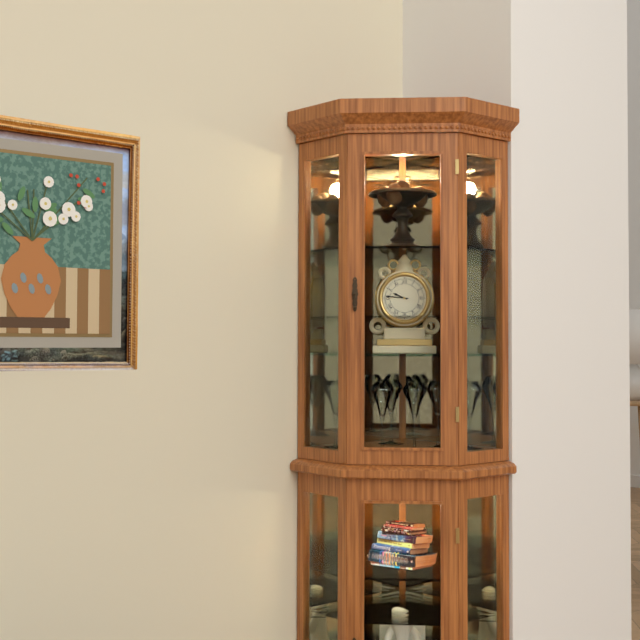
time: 9:46
